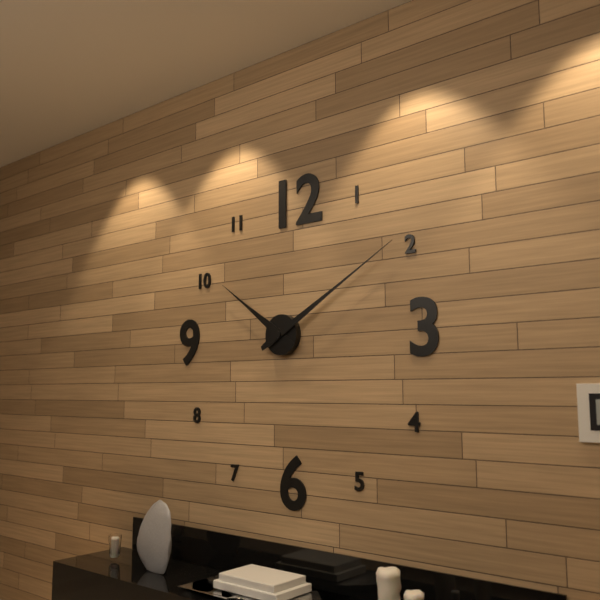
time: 10:10
